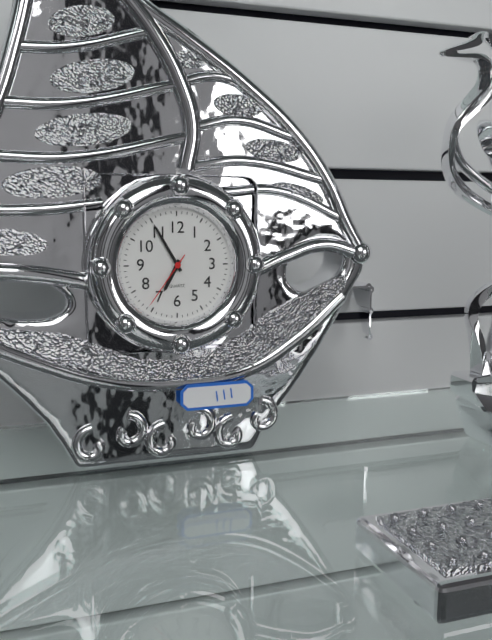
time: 6:55:36
